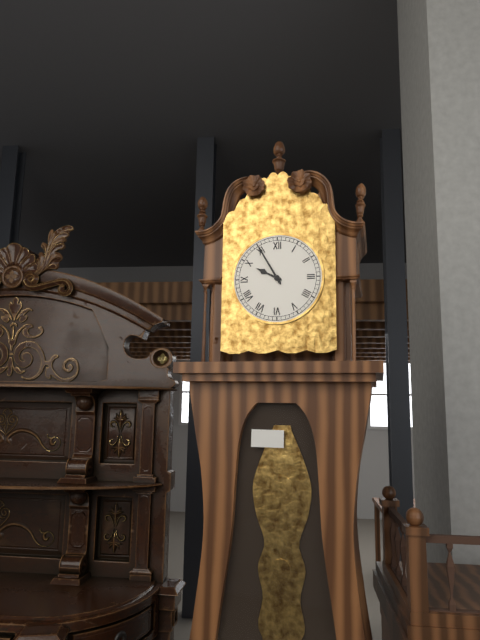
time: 9:55
